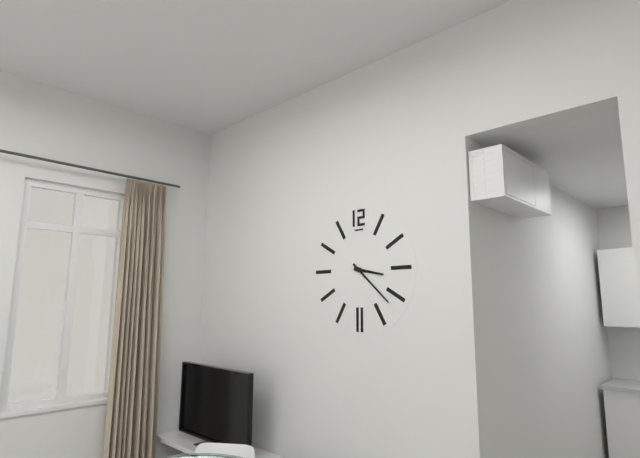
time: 3:22
